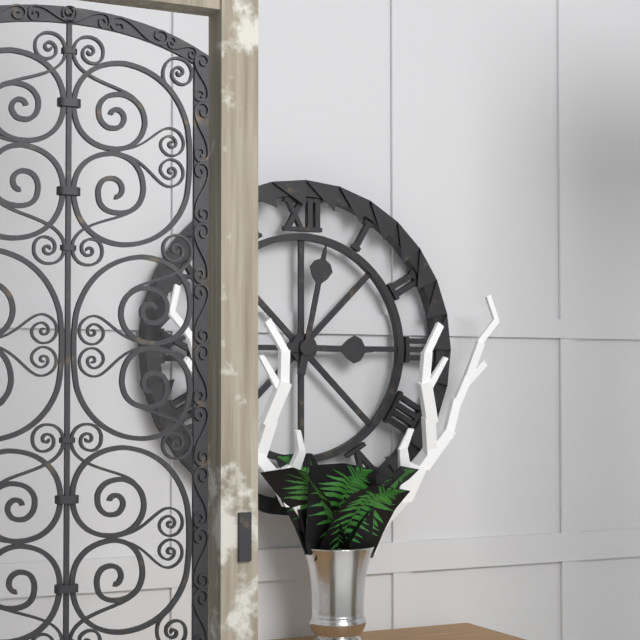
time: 3:02
